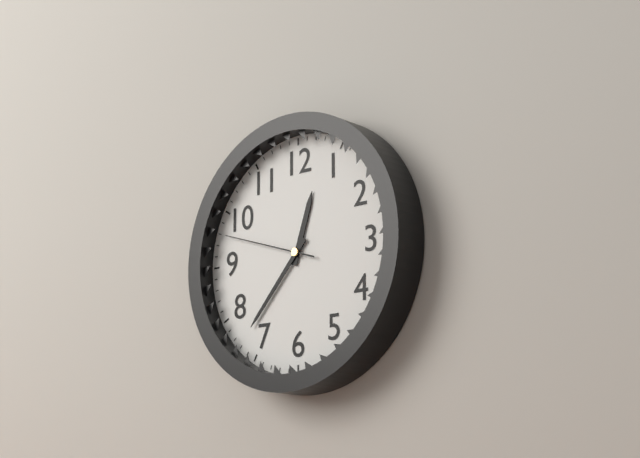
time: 12:37:48
